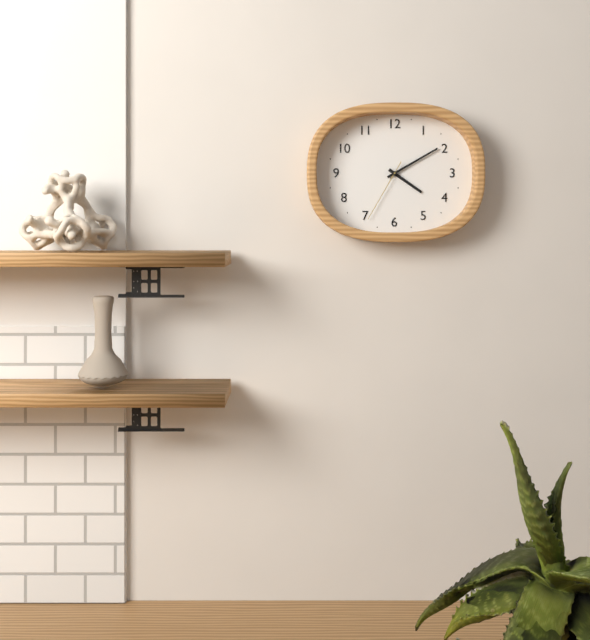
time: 4:10:35
